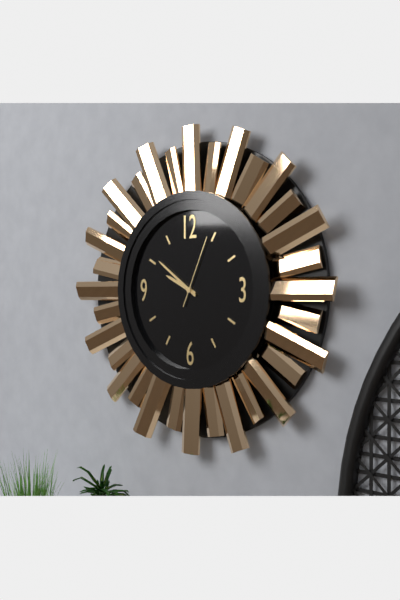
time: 9:51:04
